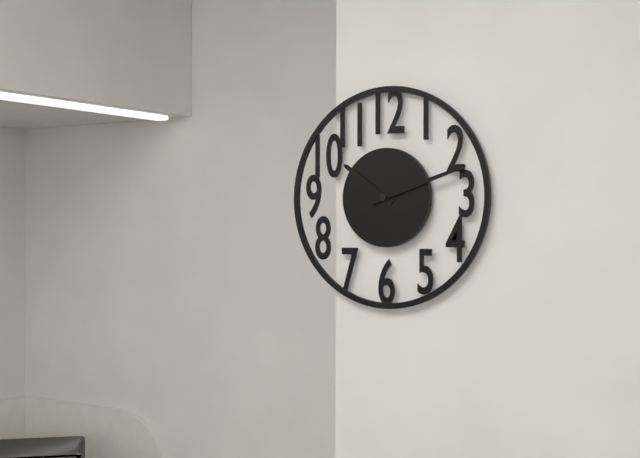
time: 10:12
